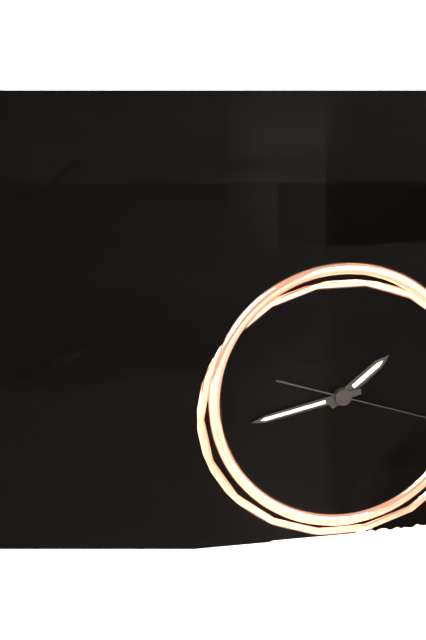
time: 1:43
